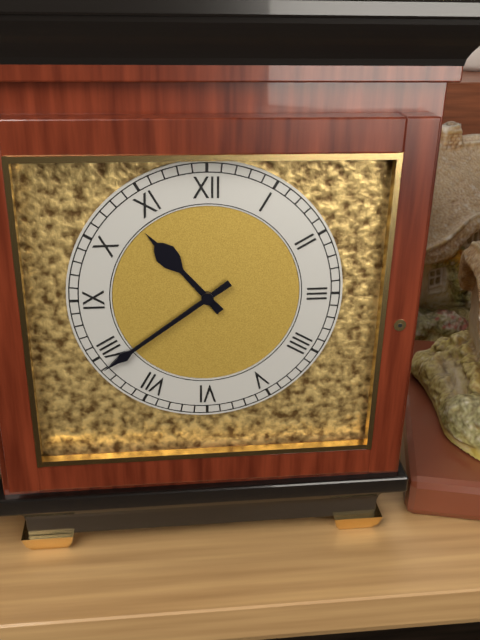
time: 10:39
